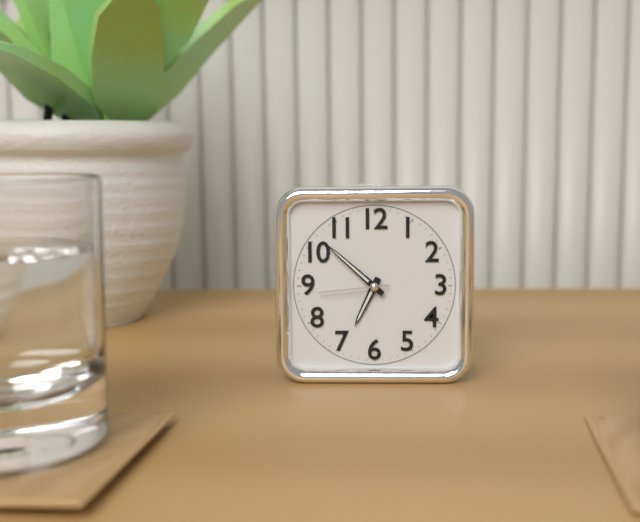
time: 6:52:44
